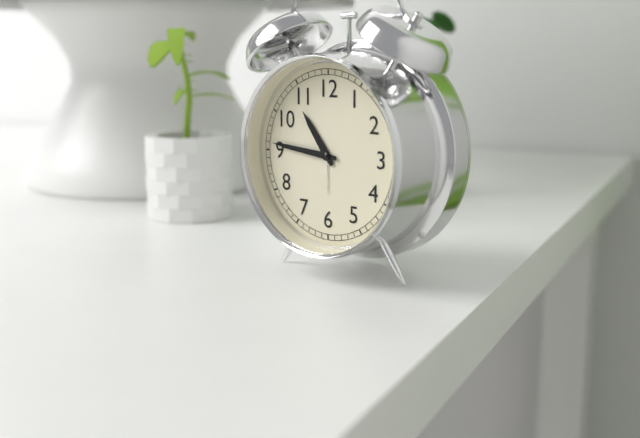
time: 10:46
